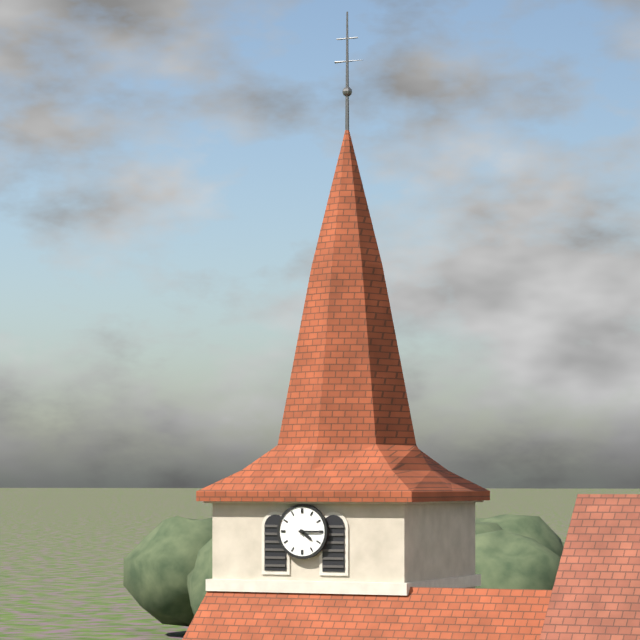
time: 4:15
